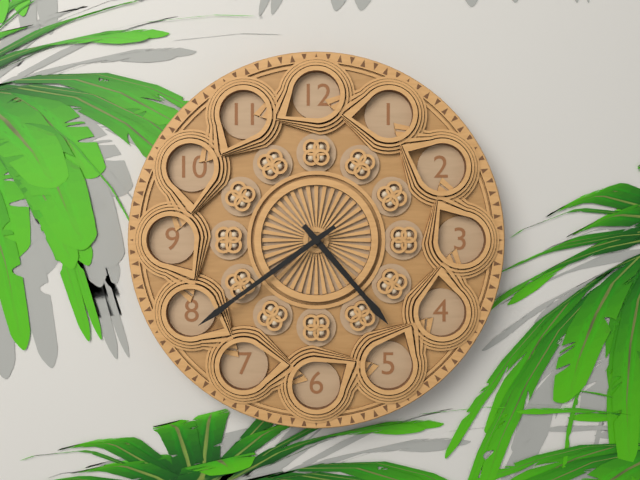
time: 4:39
